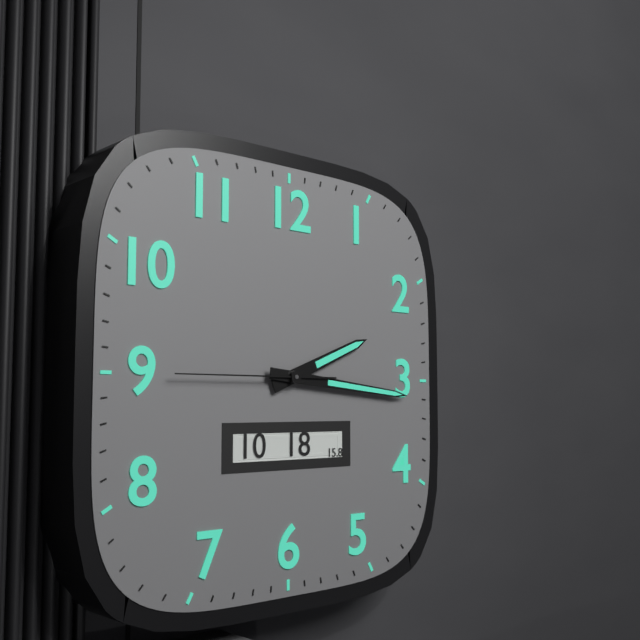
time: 2:16:45
